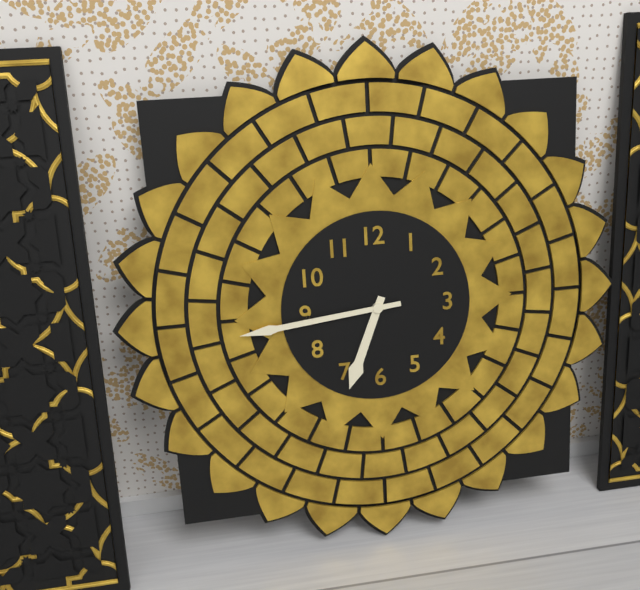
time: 6:44
